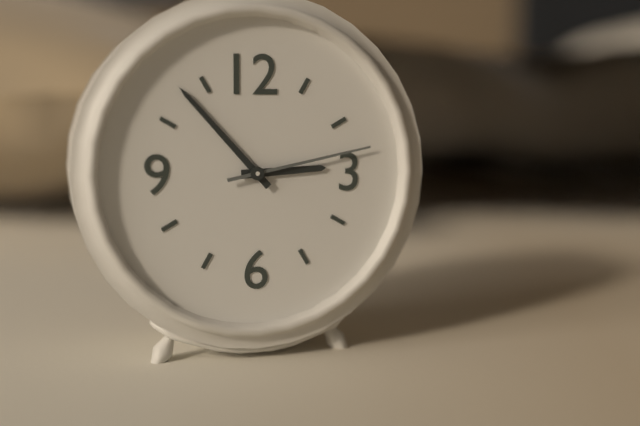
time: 2:53:13
